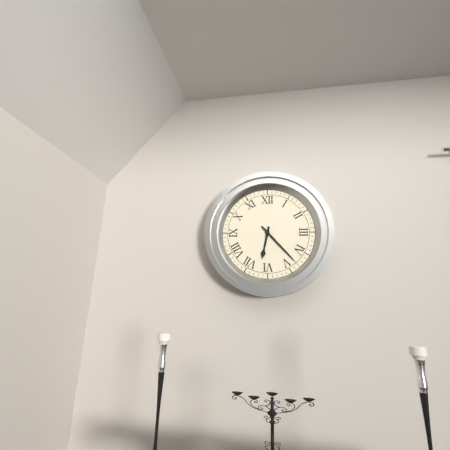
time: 6:23
